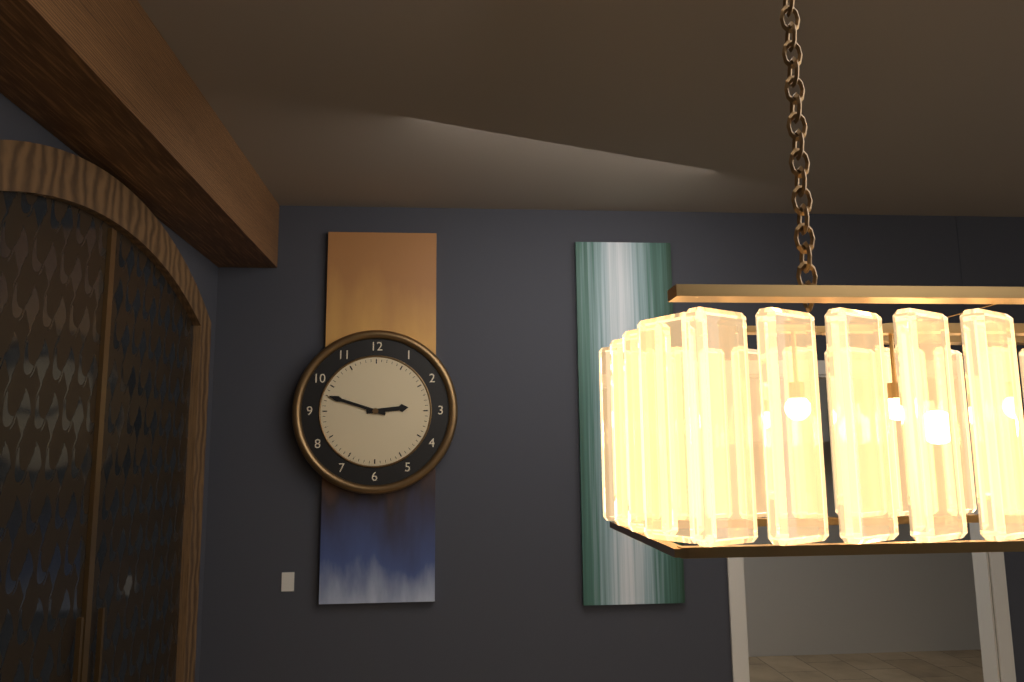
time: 2:48
